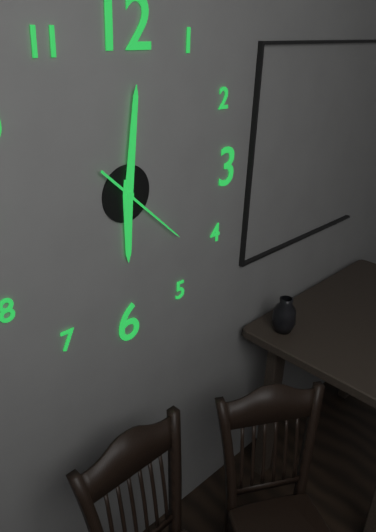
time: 6:01:22
